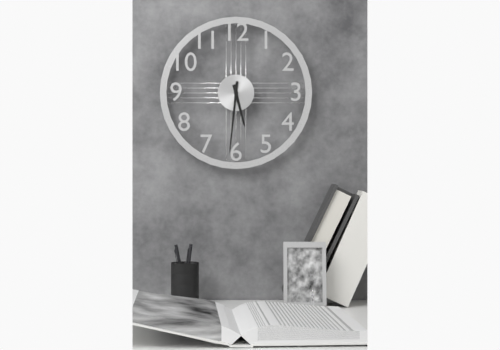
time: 5:31
